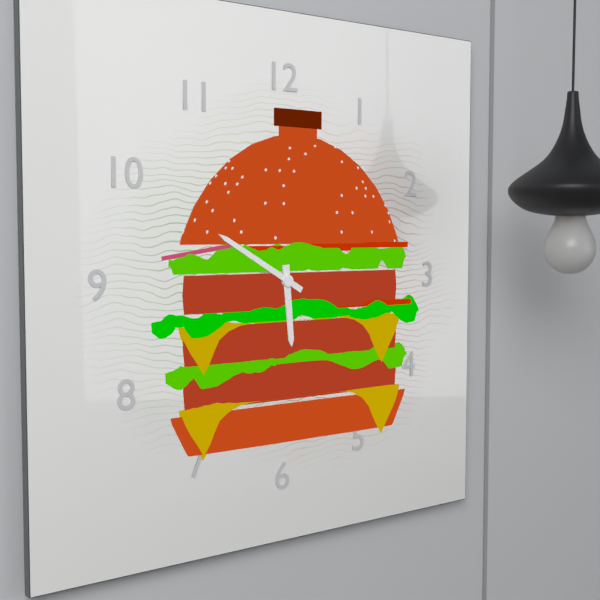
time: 5:50
